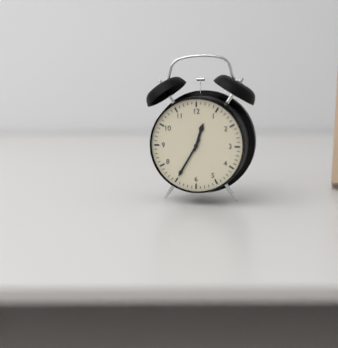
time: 12:35
